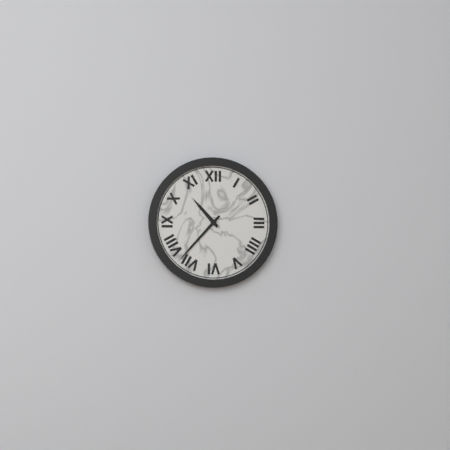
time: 10:37
